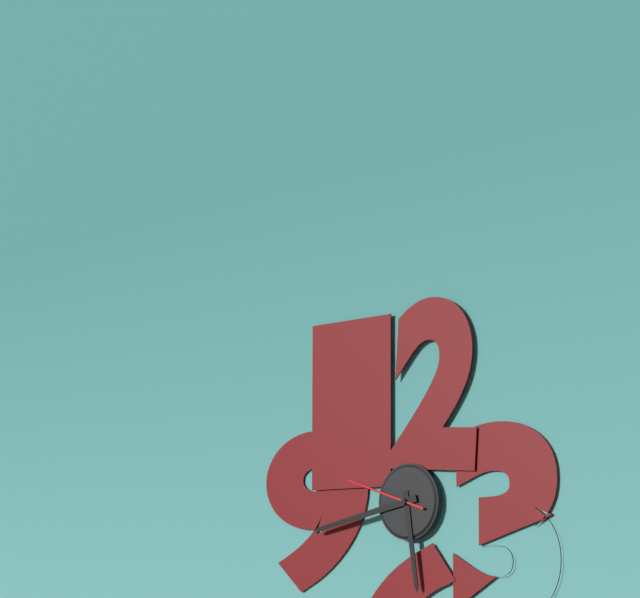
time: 5:43:48
